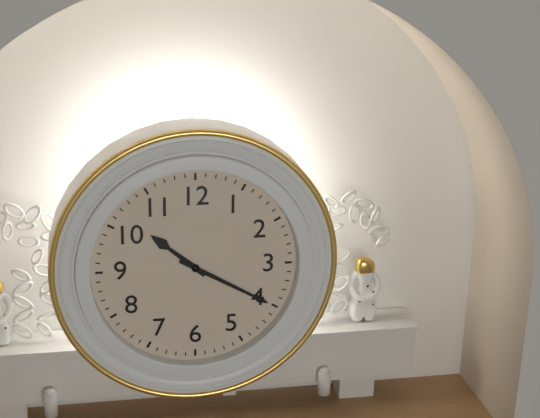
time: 10:20
